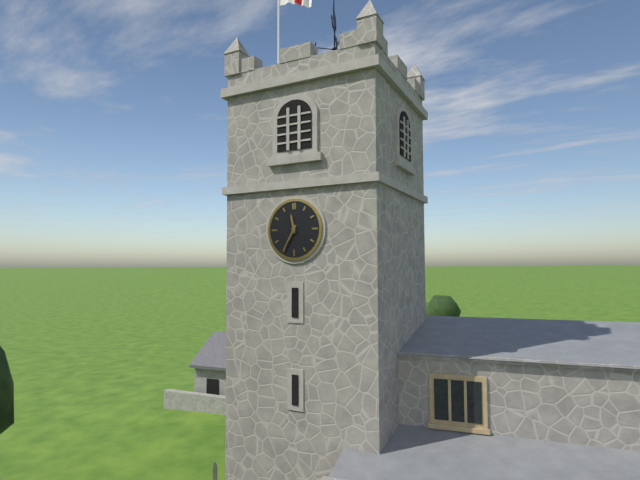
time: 11:35
